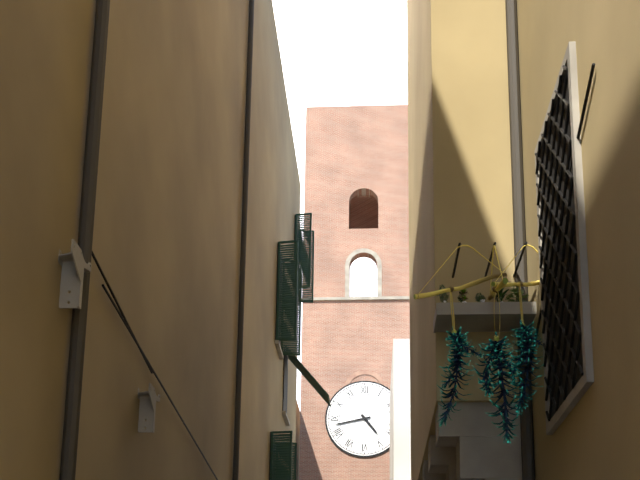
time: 4:43
